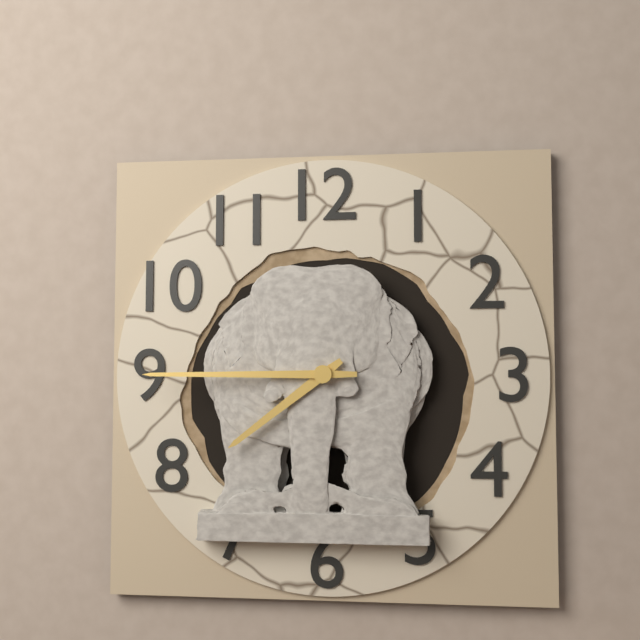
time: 7:45
